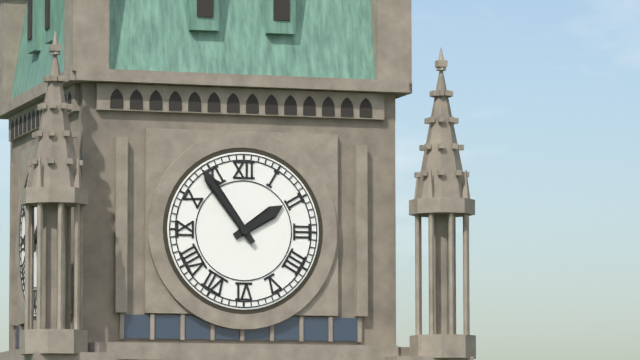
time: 1:54
